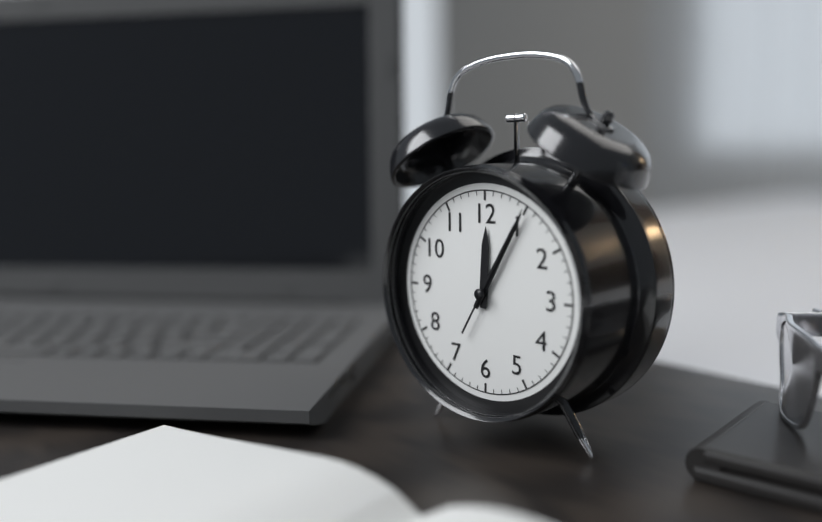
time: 12:05:05
